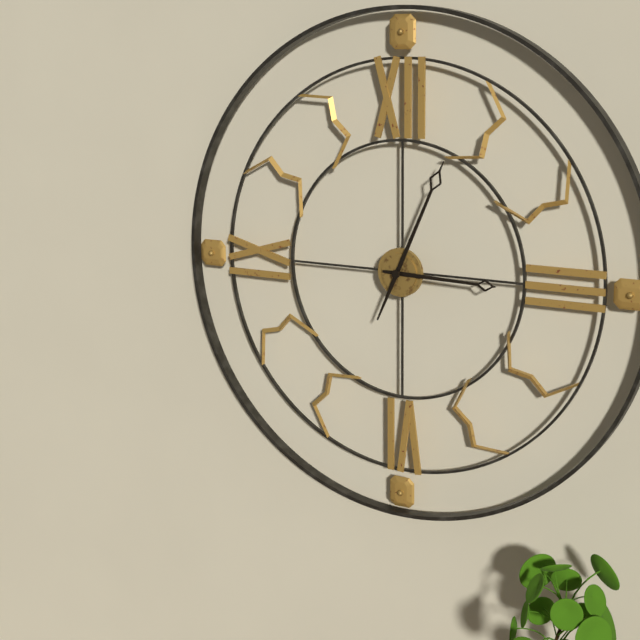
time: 3:04
